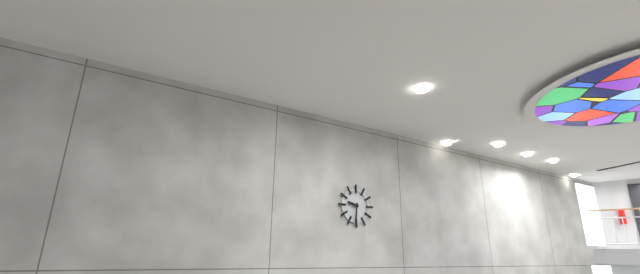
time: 9:31
